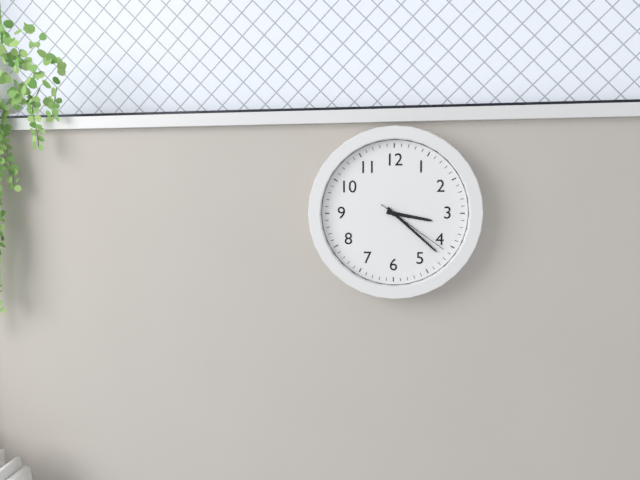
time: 3:22:21
